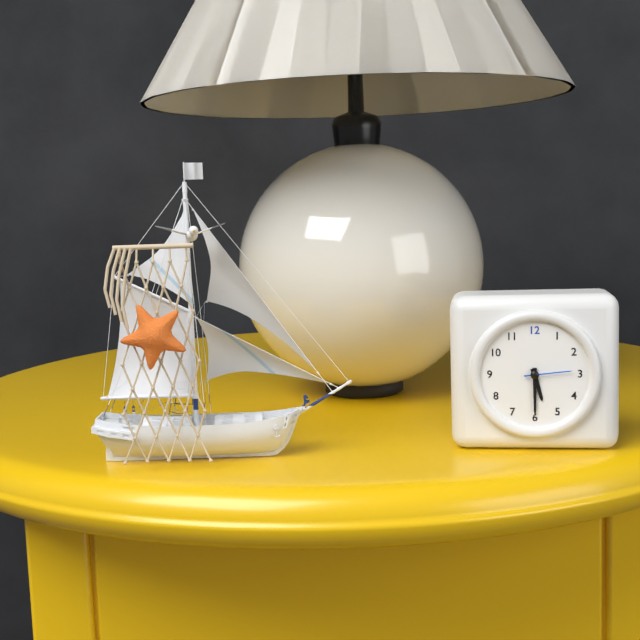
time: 5:30
